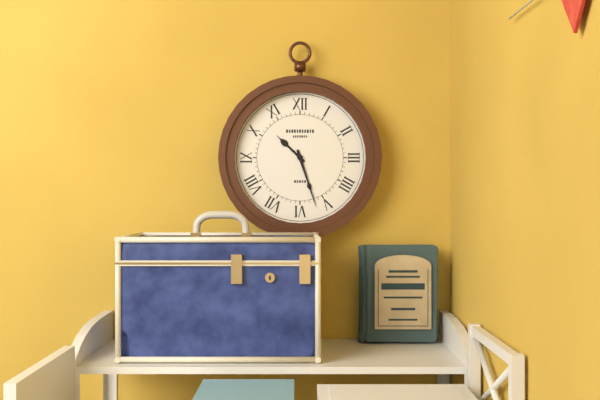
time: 10:27
